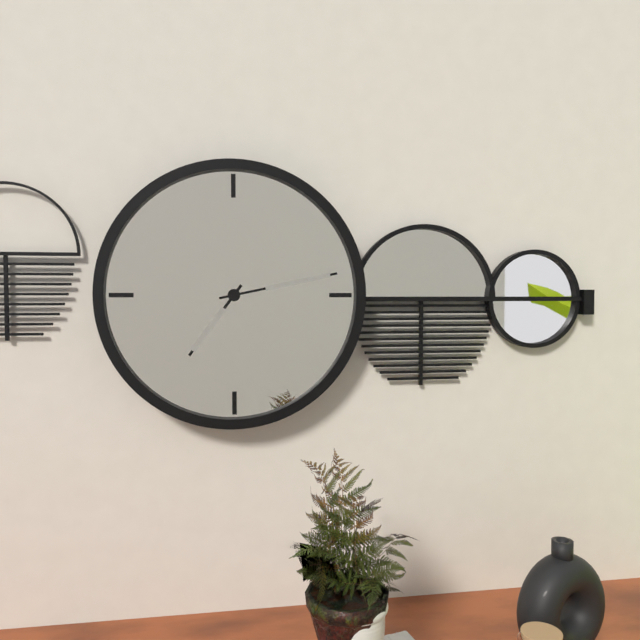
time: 7:13
